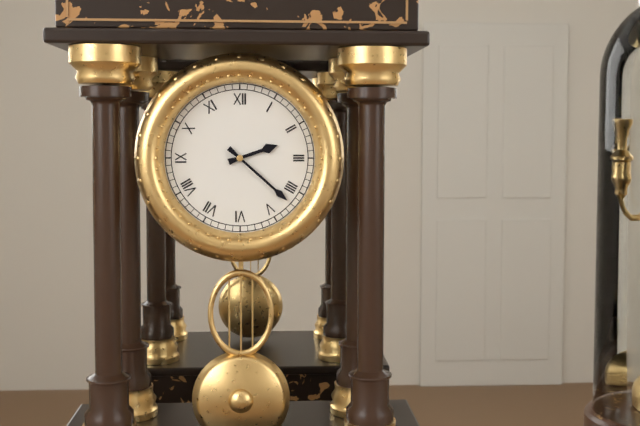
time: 2:22
